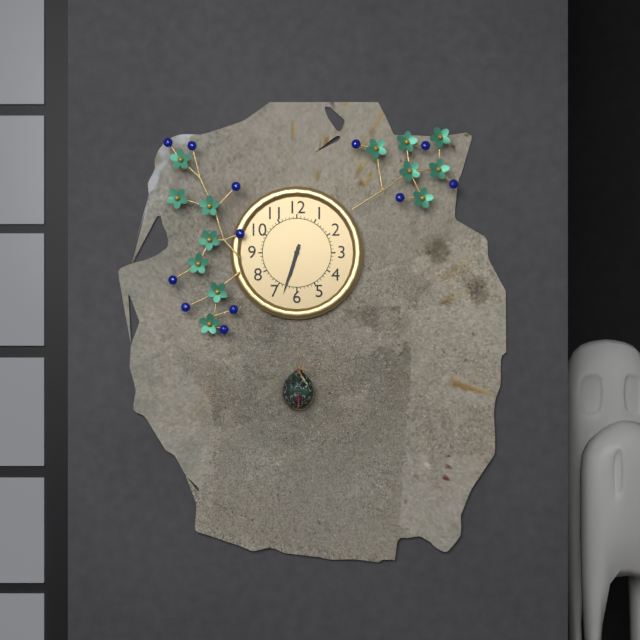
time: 6:33
